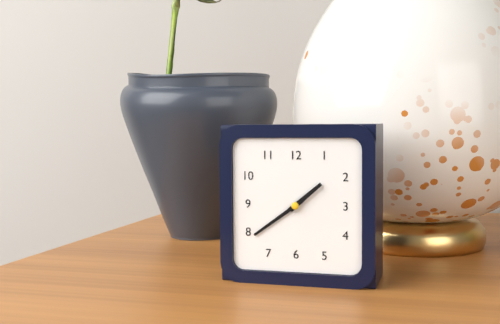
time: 1:39
